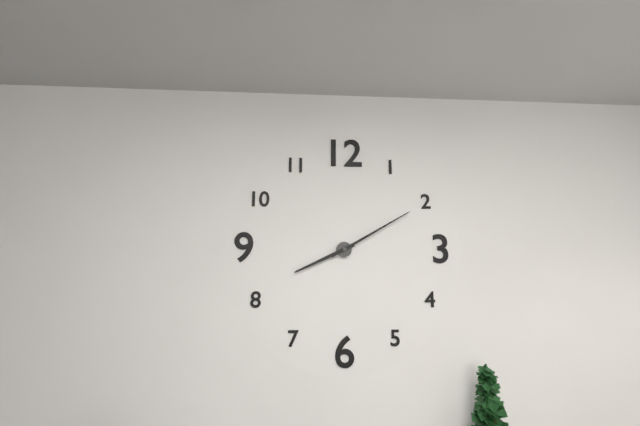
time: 8:10
